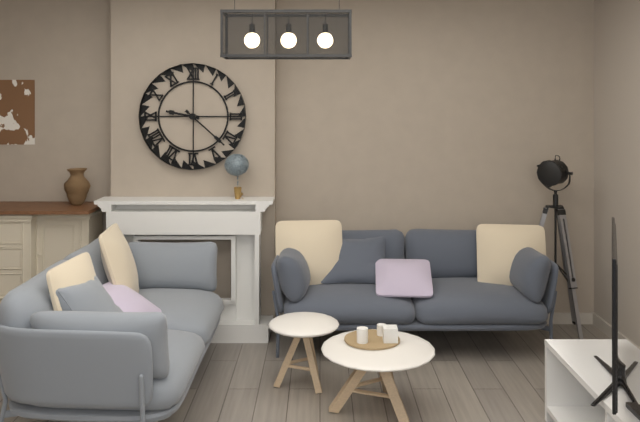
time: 9:22
